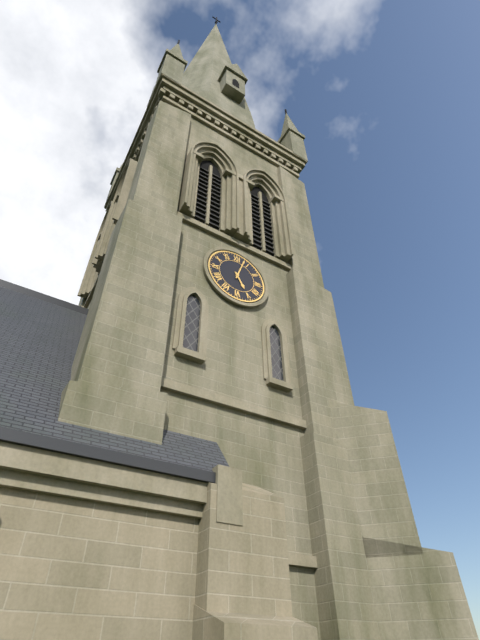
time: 5:03
